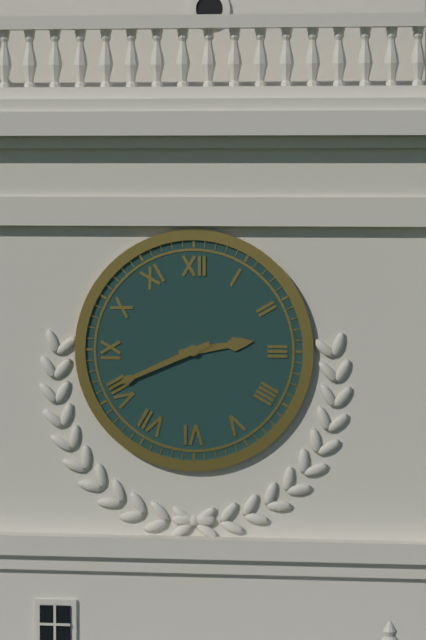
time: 2:41
